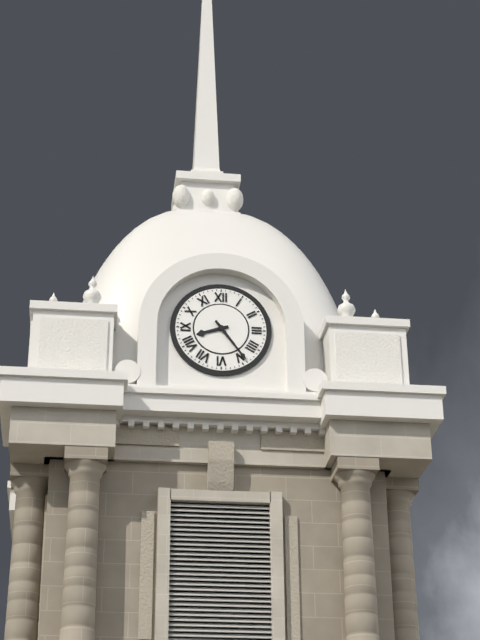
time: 8:24
